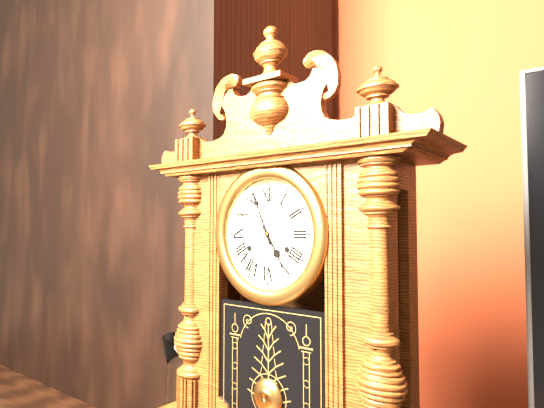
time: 4:56
